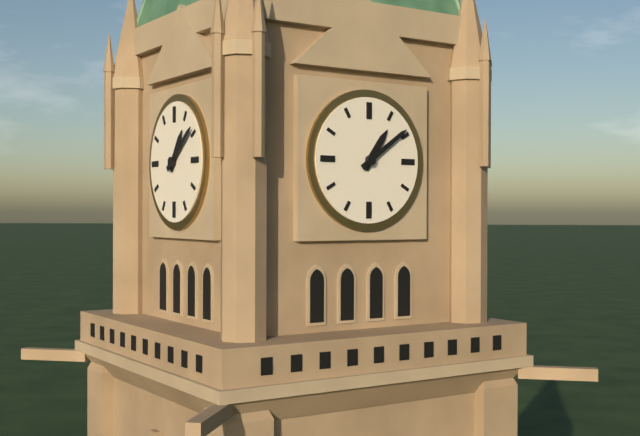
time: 1:09
